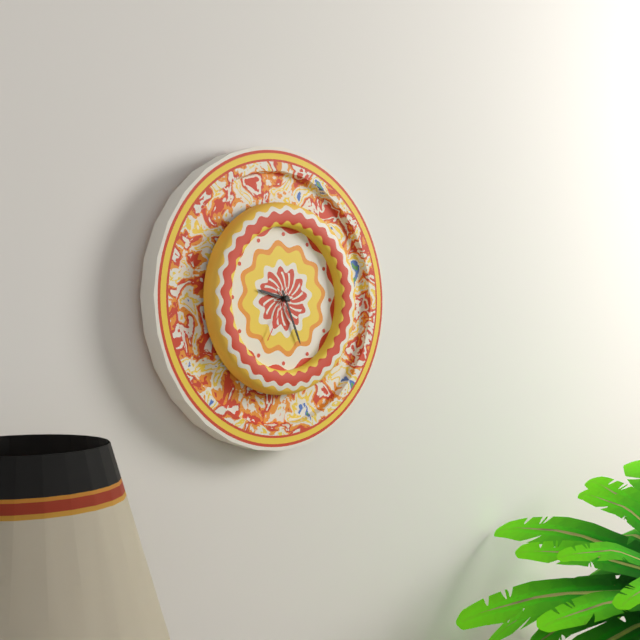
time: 9:26:35
